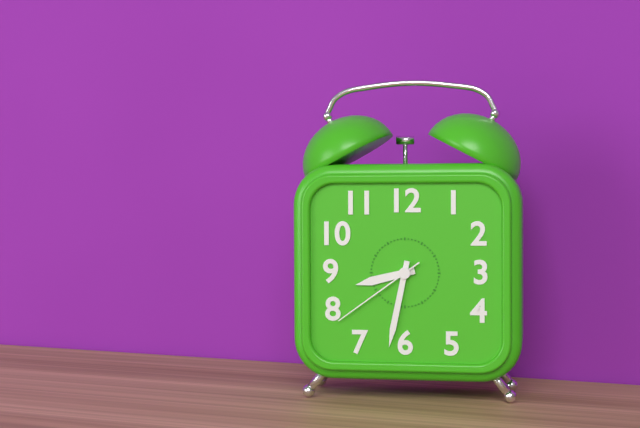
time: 8:32:39
